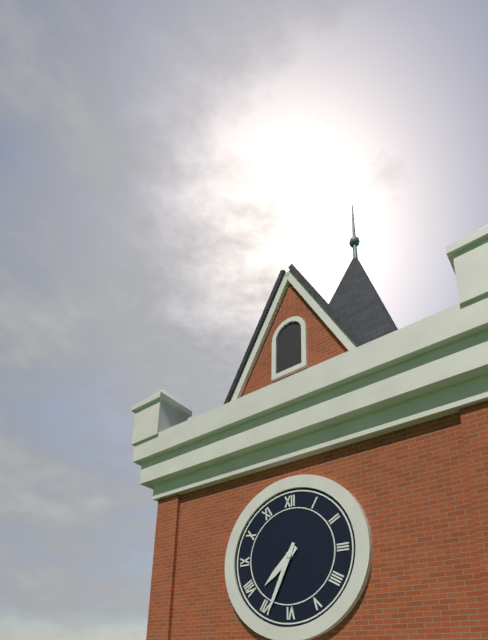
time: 7:34
